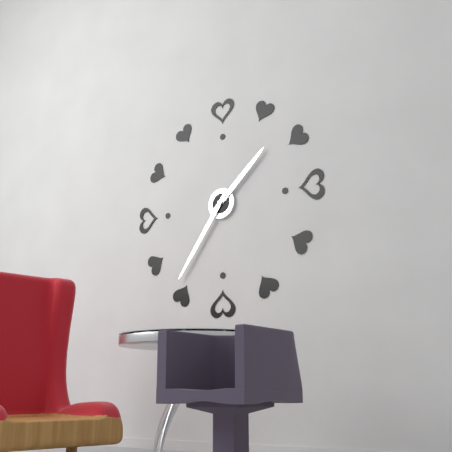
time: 1:36
